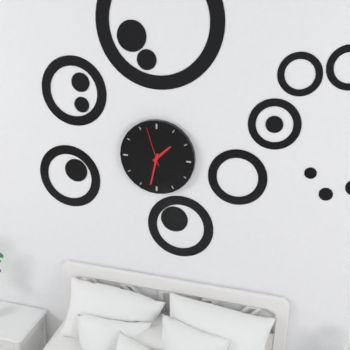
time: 1:32
